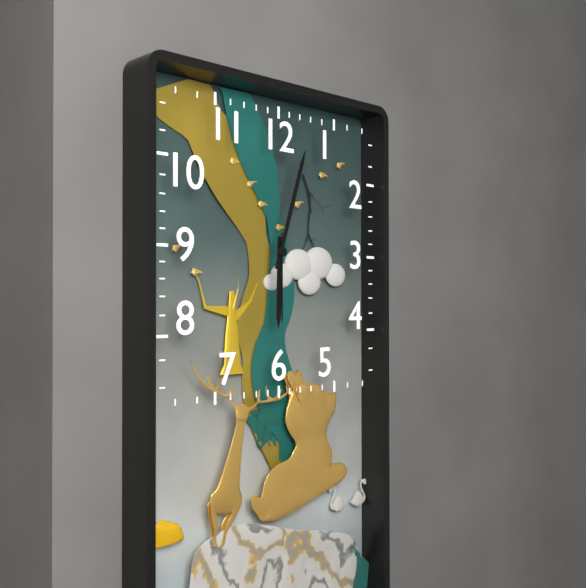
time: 6:03:30
